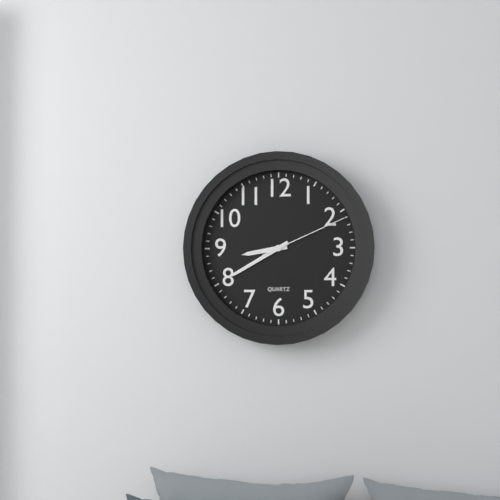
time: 8:40:11
